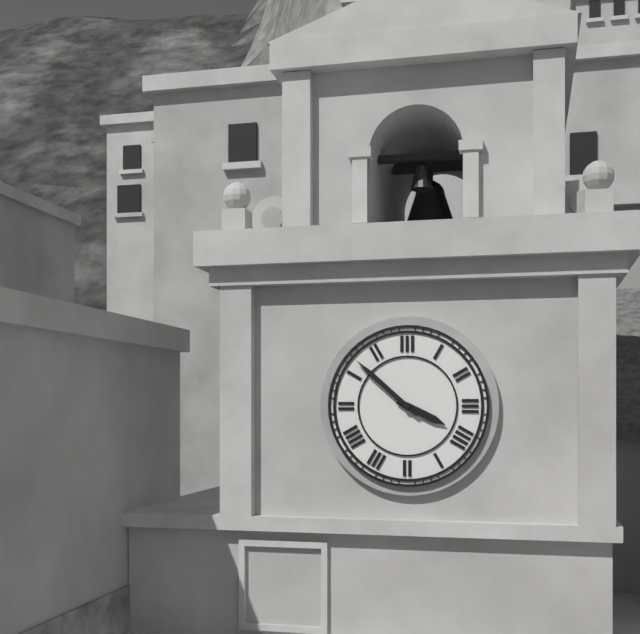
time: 3:52
